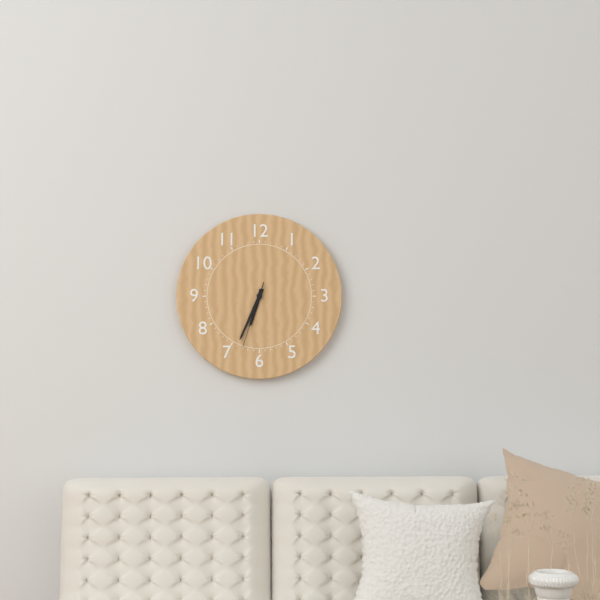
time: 6:34:33
